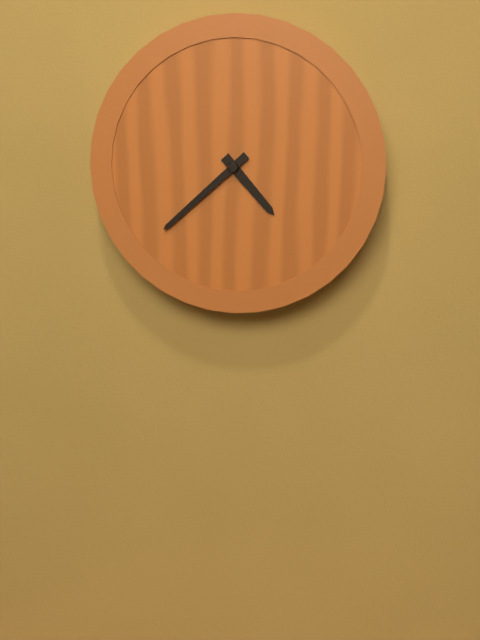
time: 4:38
